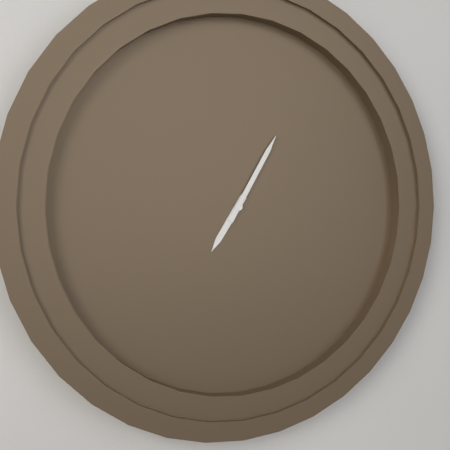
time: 7:05
